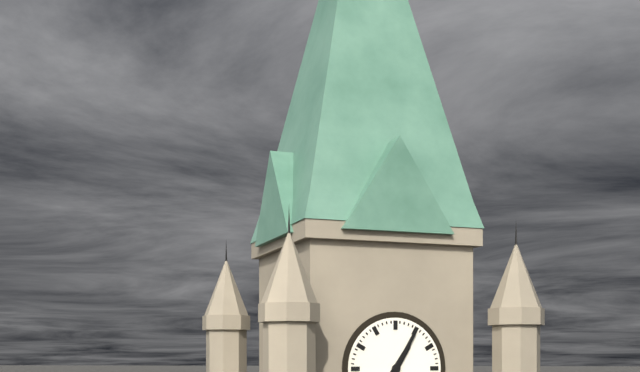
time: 1:05
